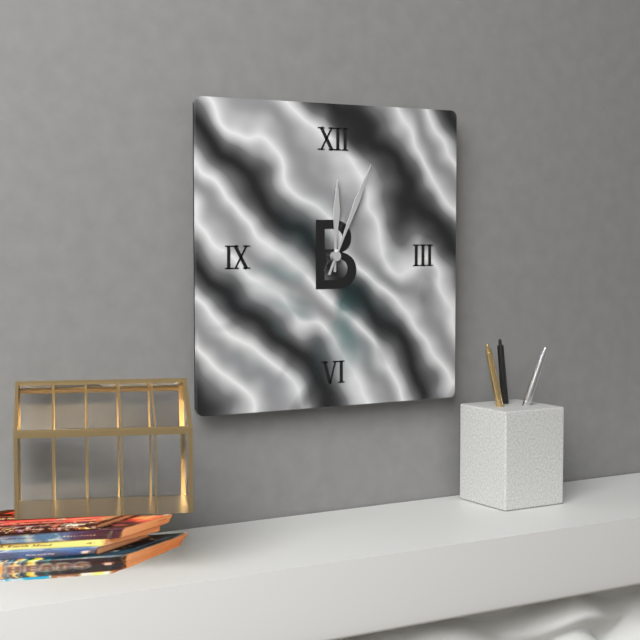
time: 12:04
